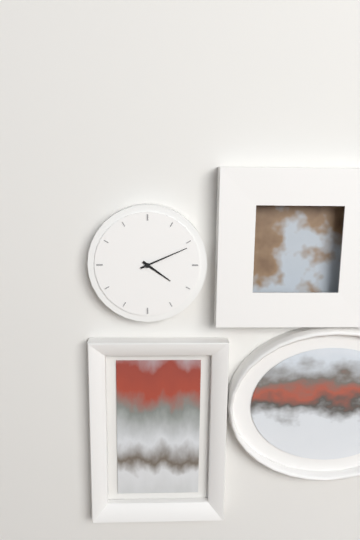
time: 4:11
